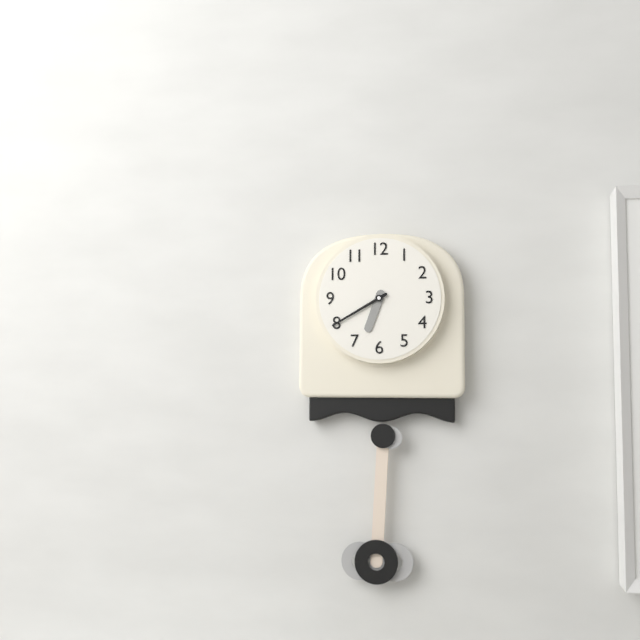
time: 6:40
